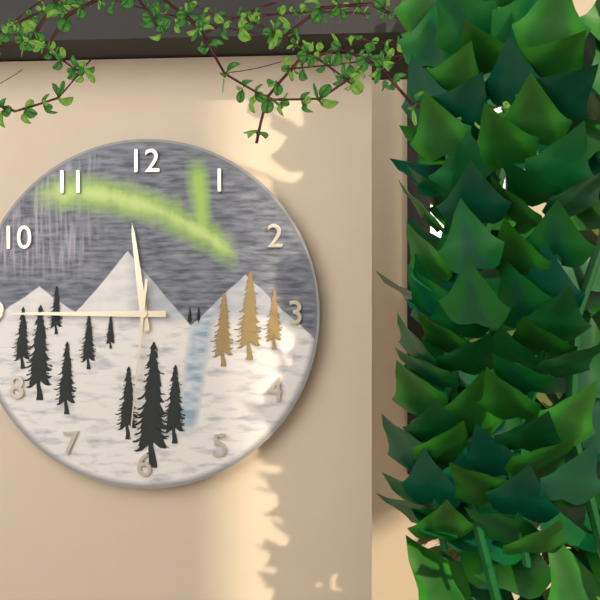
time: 11:45:31
